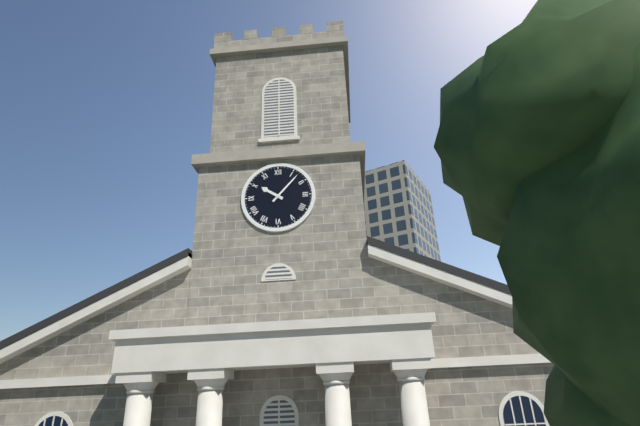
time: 10:07
